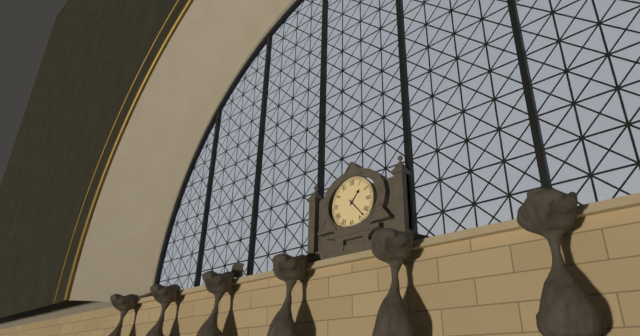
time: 1:23
